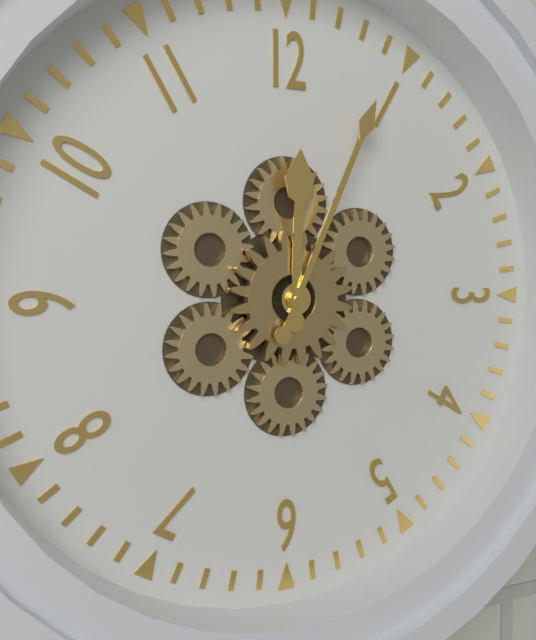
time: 12:04
